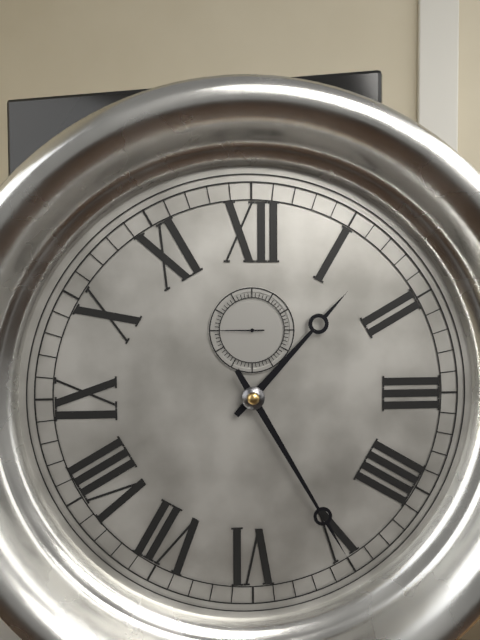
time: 1:25
